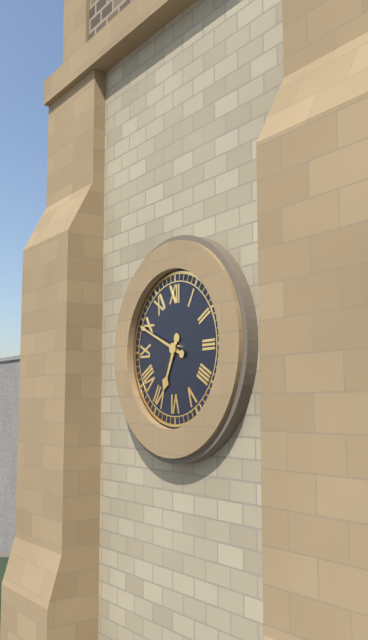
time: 6:49
